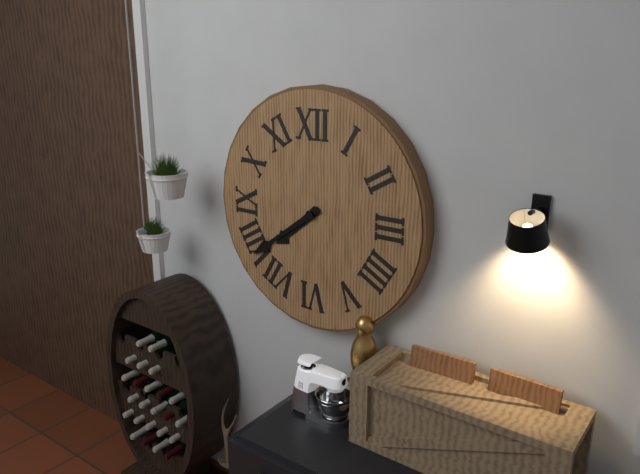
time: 7:39
